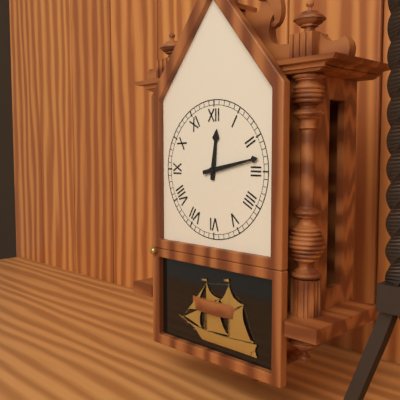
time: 12:13
